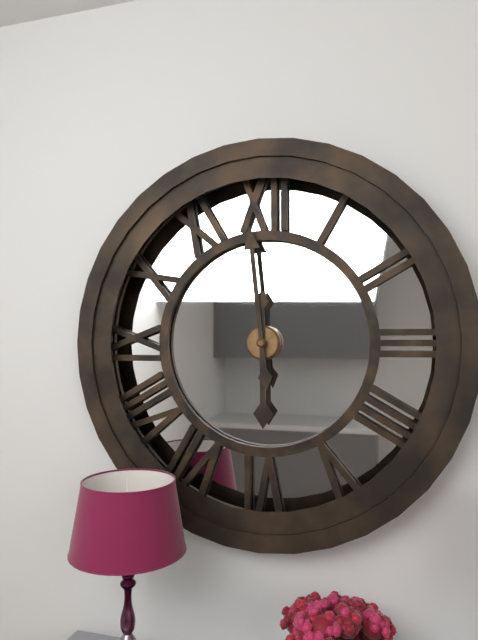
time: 5:59
